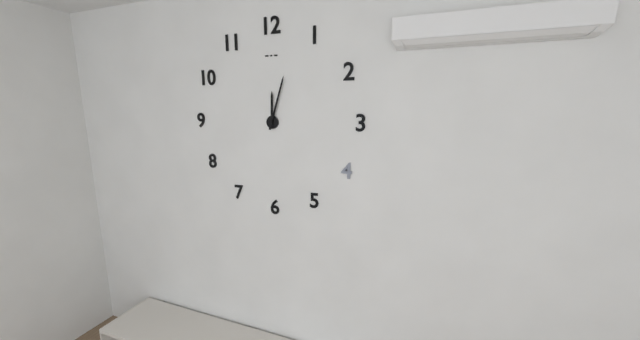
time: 12:03
